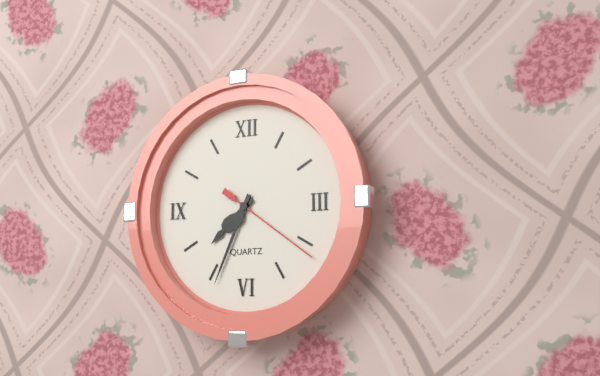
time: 7:34:21
